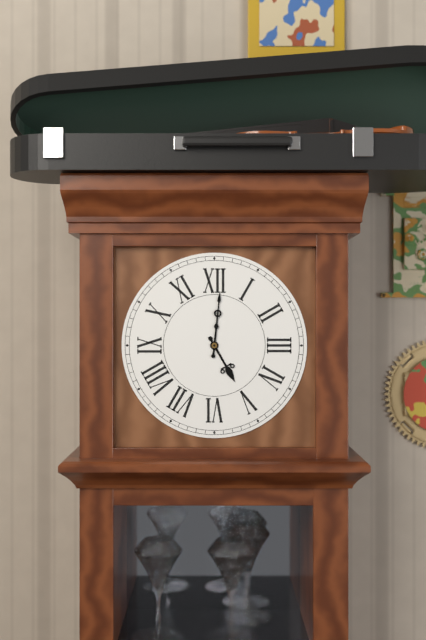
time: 5:01
